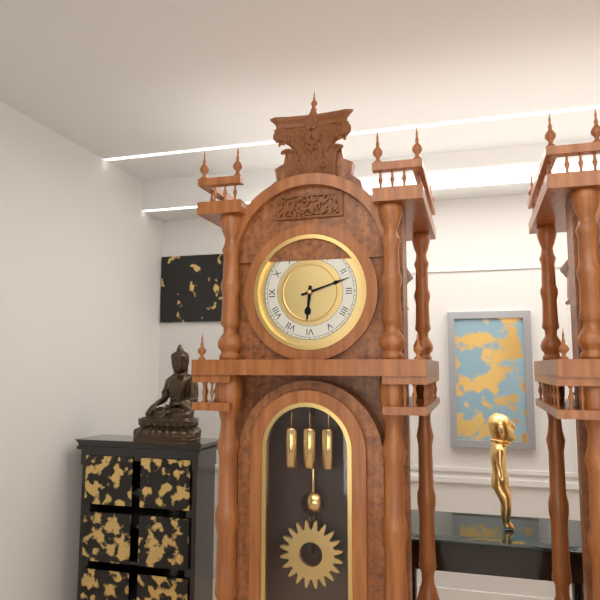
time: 6:12
